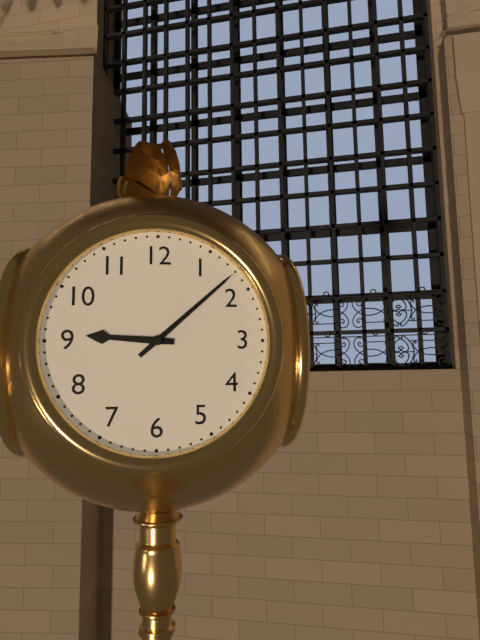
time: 9:08
